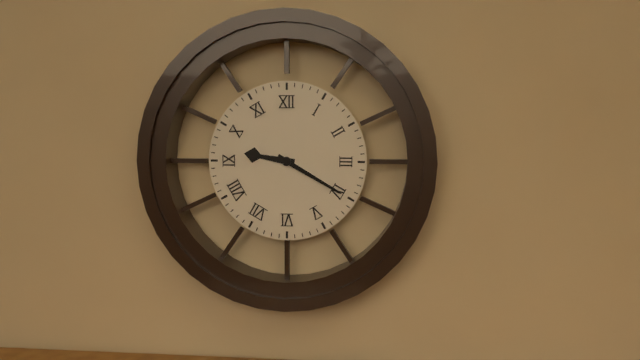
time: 9:20
